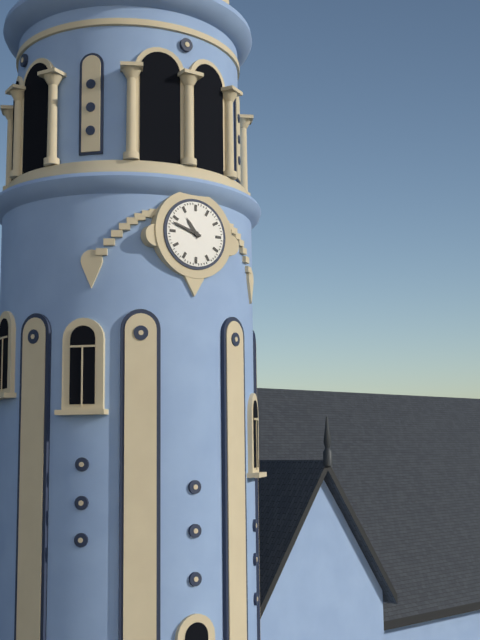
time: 10:48
